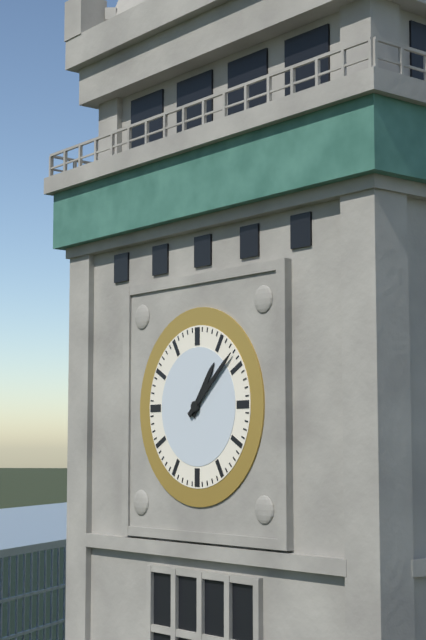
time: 1:08
